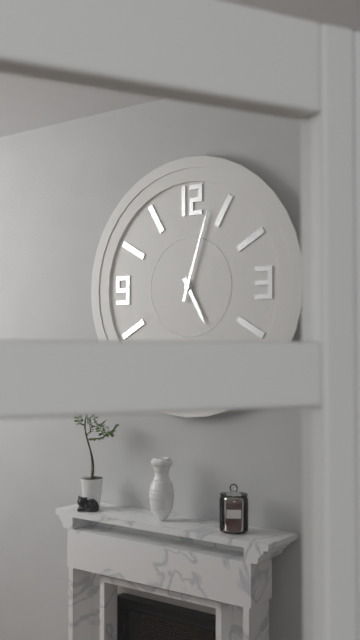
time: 5:03
